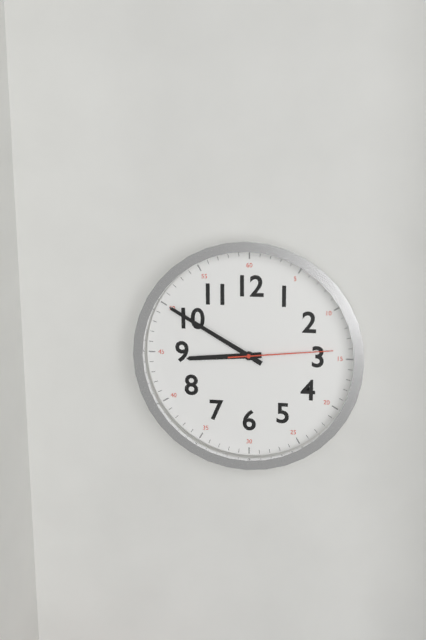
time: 8:50:14
